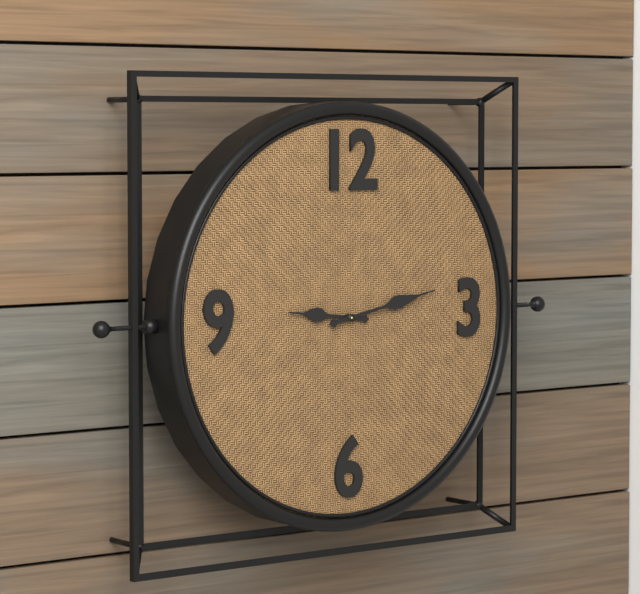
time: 9:13
